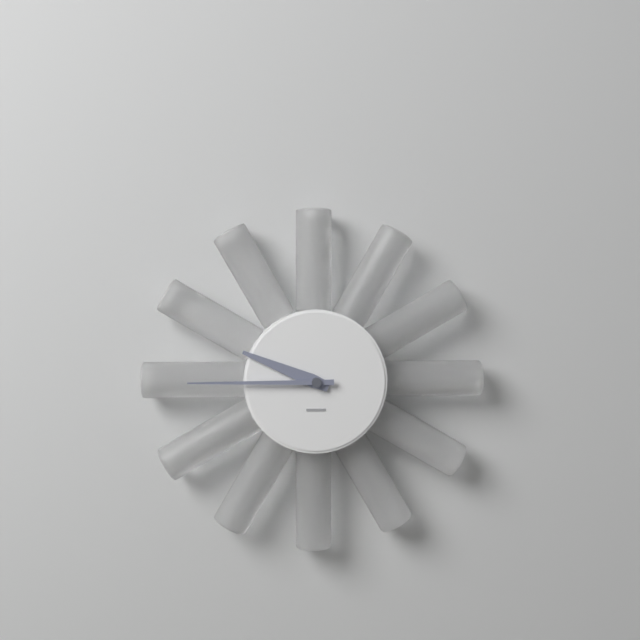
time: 9:45
